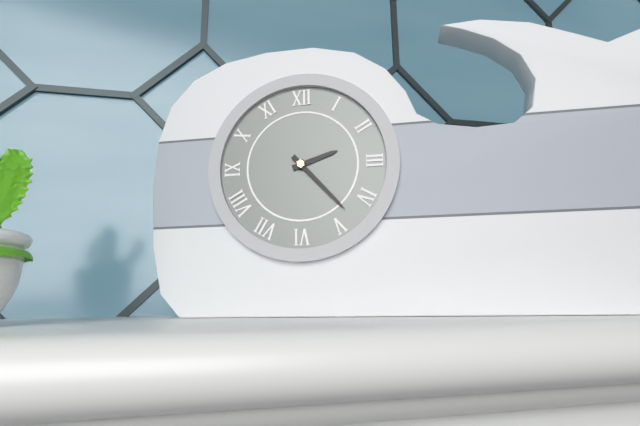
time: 2:23
